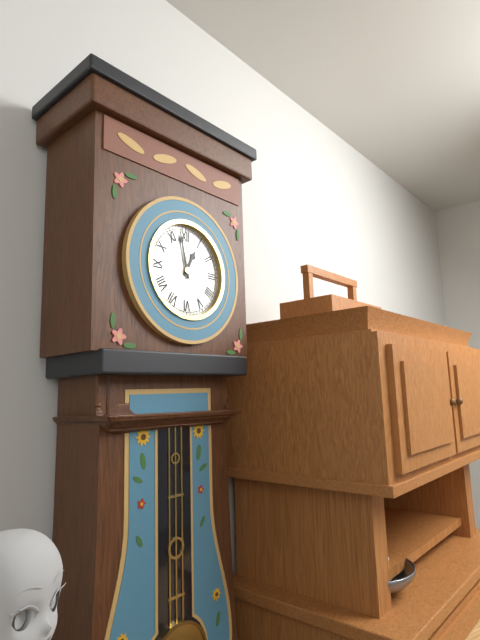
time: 12:58
